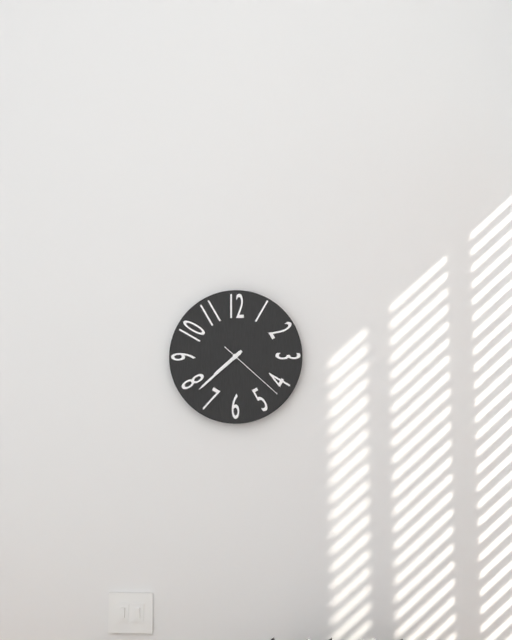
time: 7:38:22
